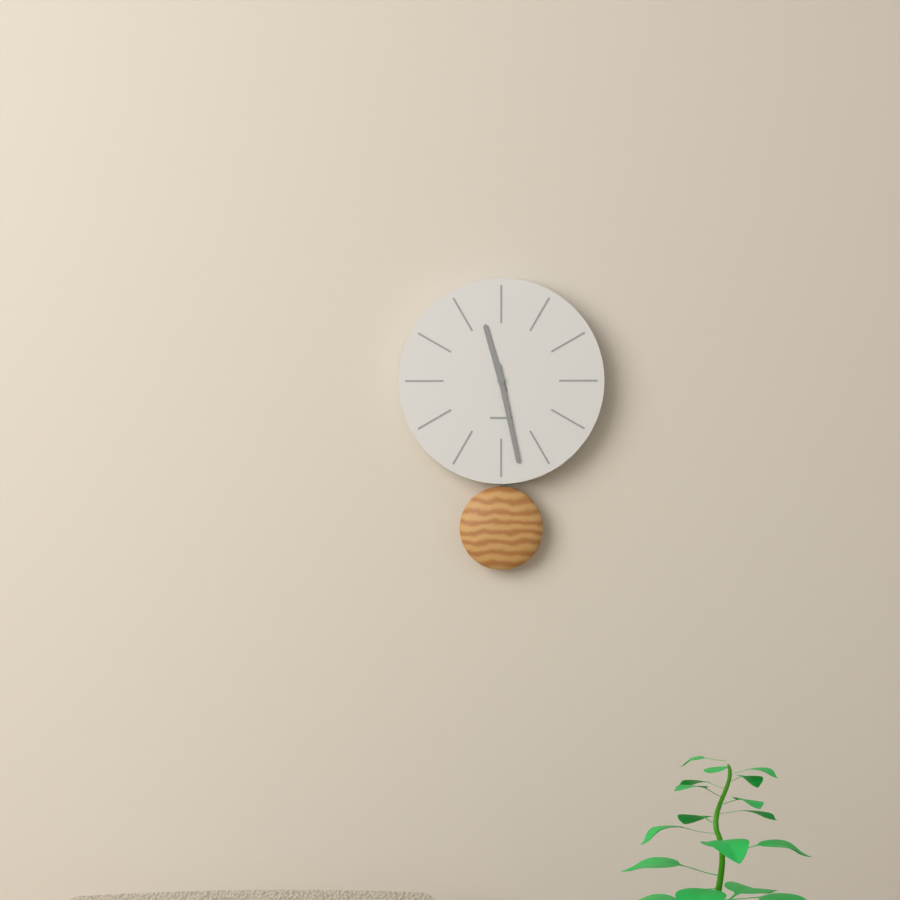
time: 11:28
